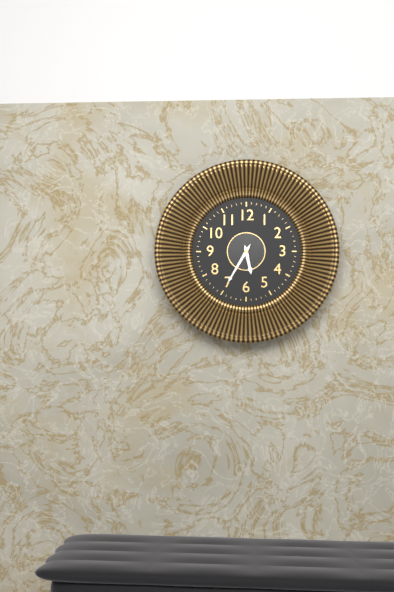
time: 5:35
